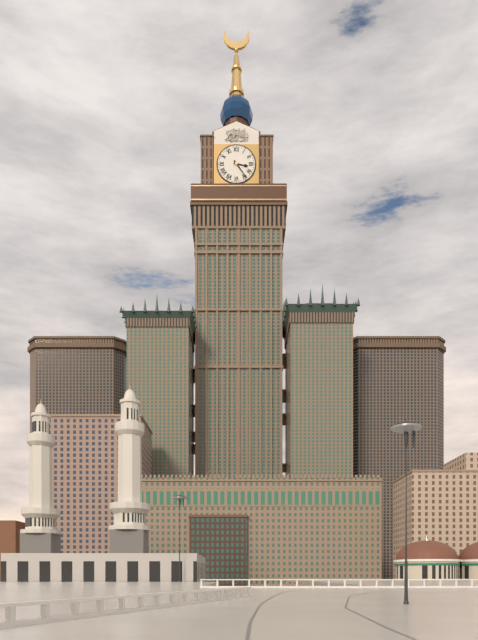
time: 3:24
